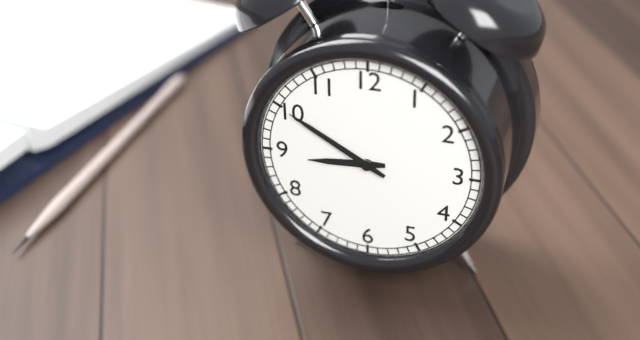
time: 8:50
